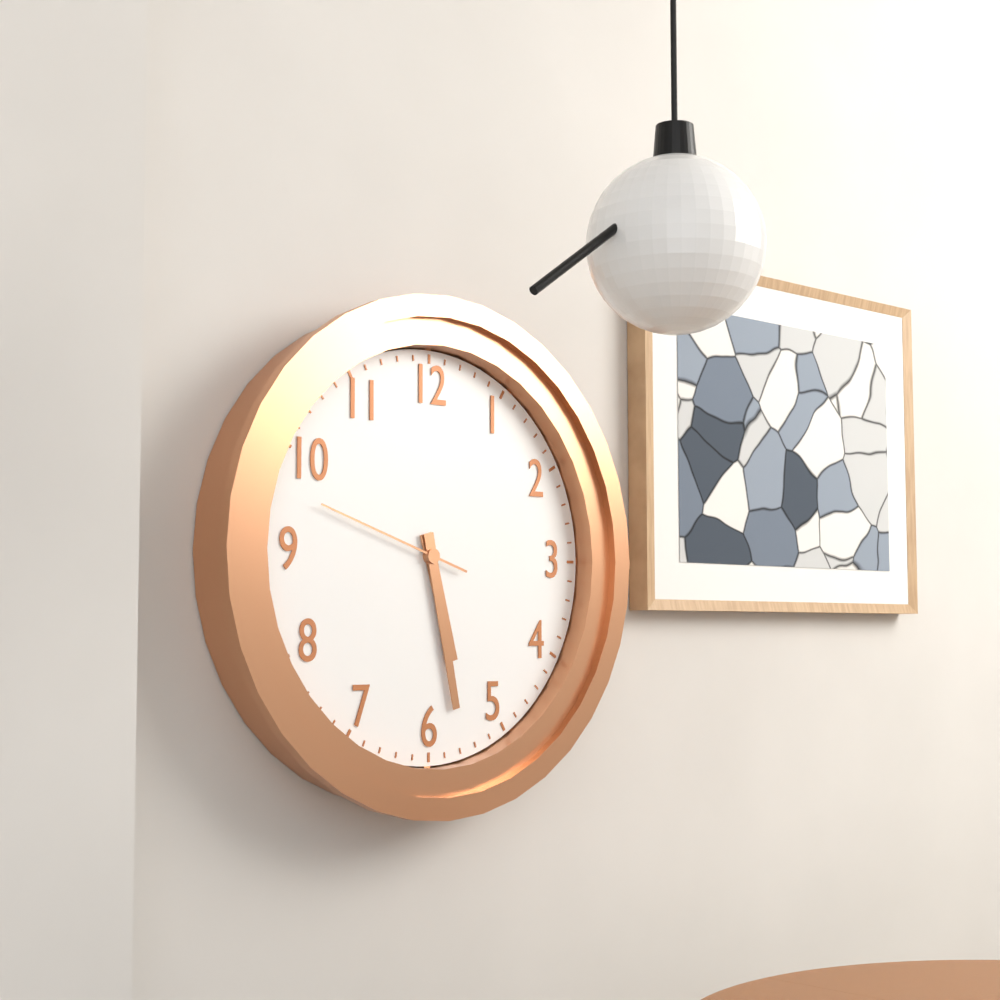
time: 5:28:48
